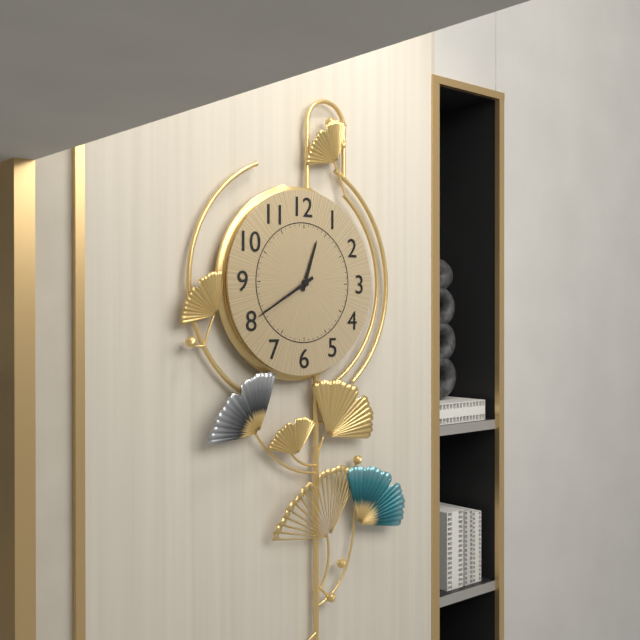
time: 12:40
